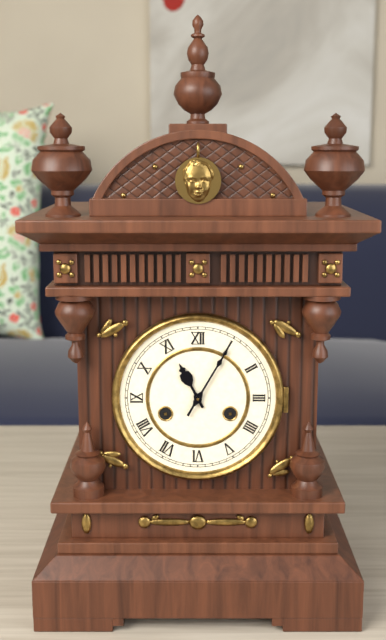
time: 11:05
